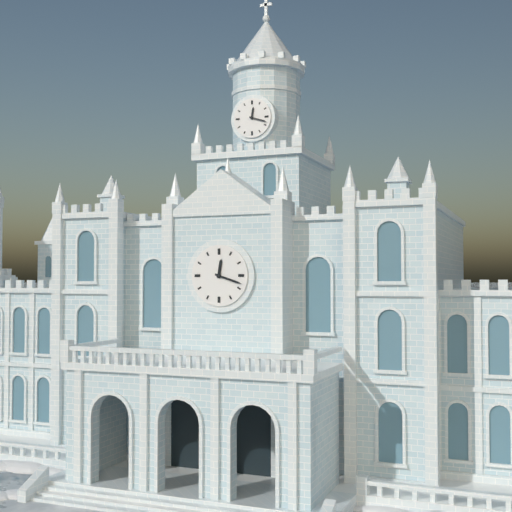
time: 12:18
